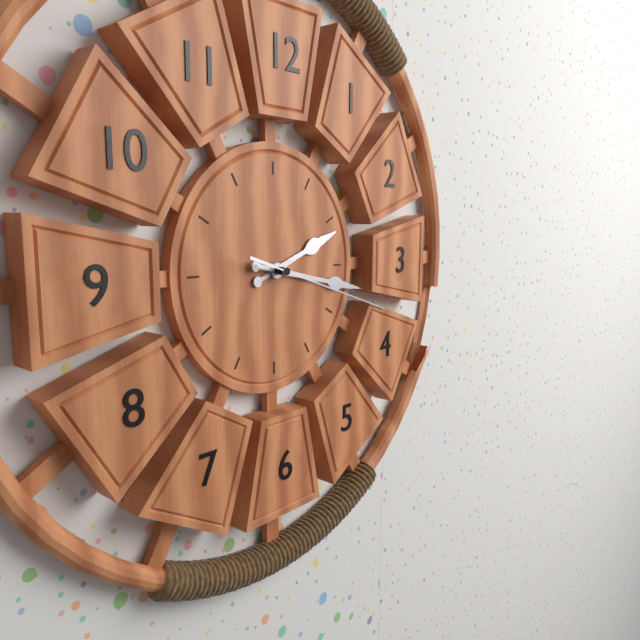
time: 2:17:18
